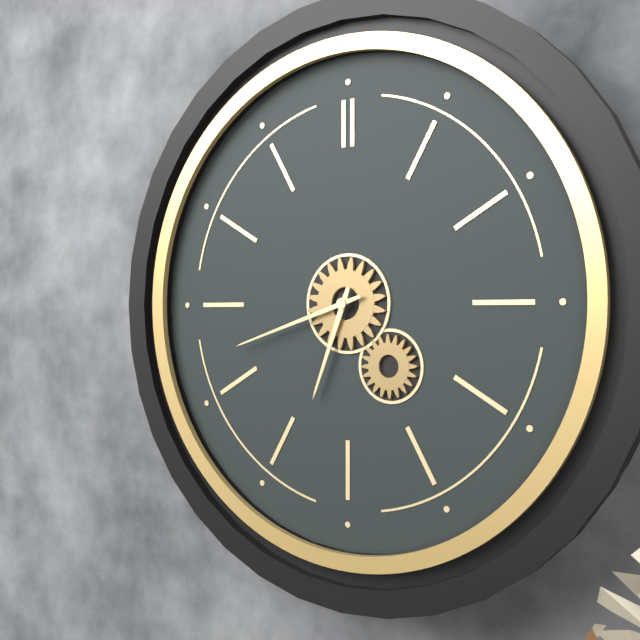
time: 6:42
